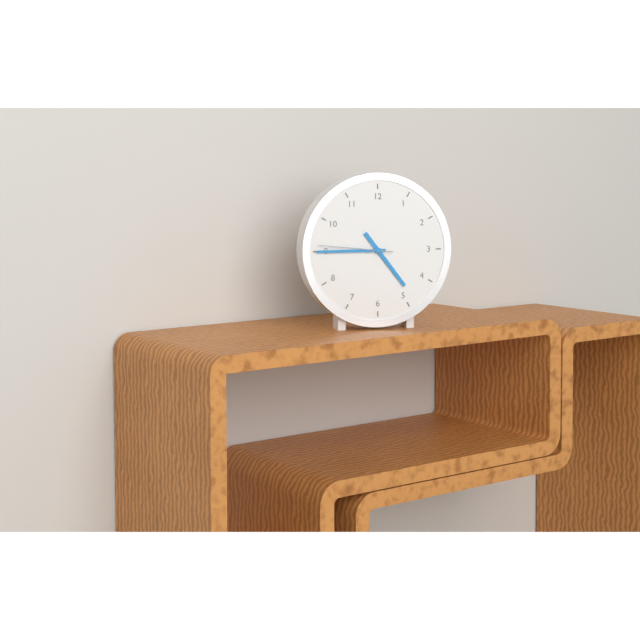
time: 4:45:46
